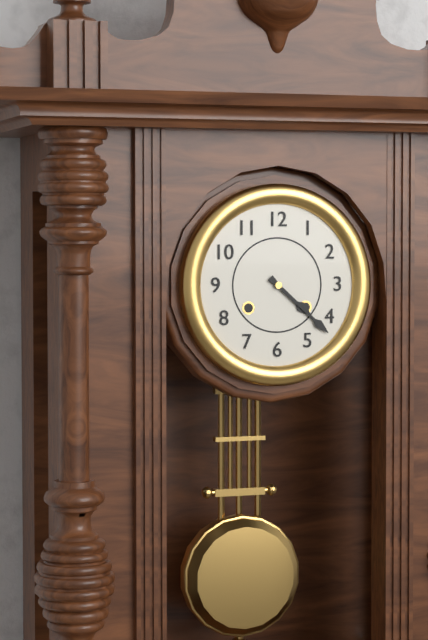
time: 4:22
